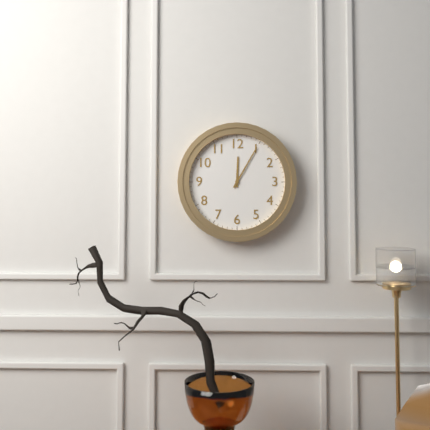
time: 12:05
